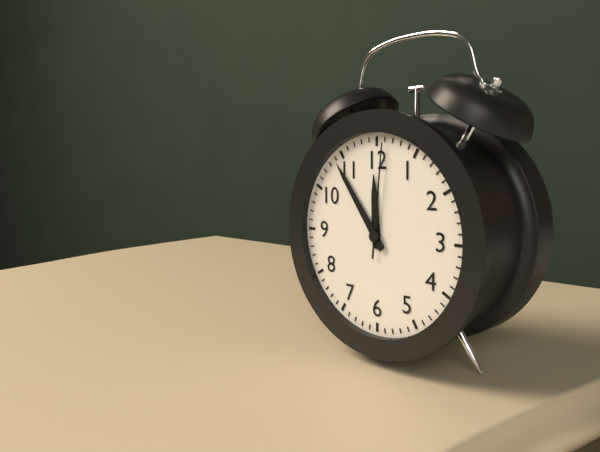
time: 11:54:01
